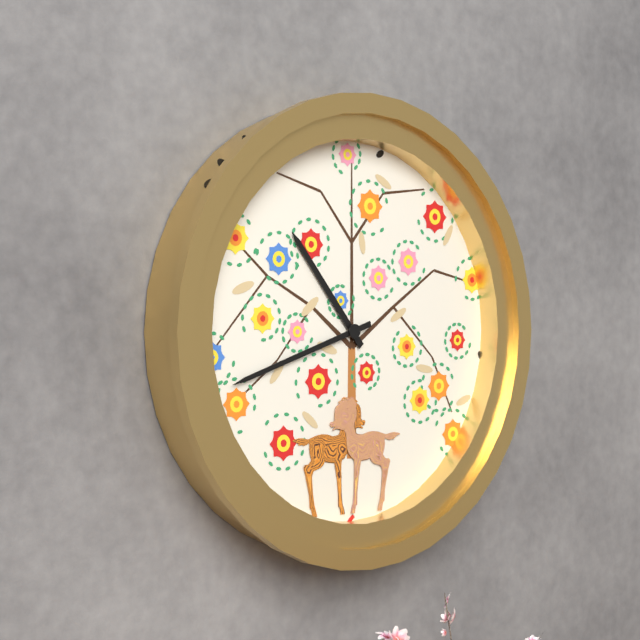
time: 10:42
